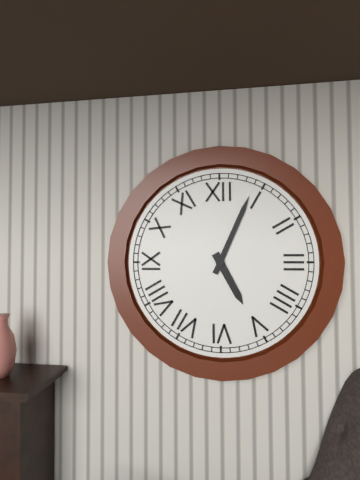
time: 5:04
